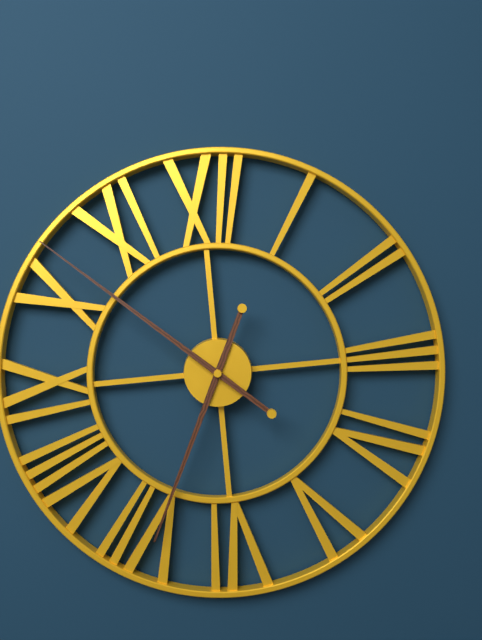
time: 6:52
